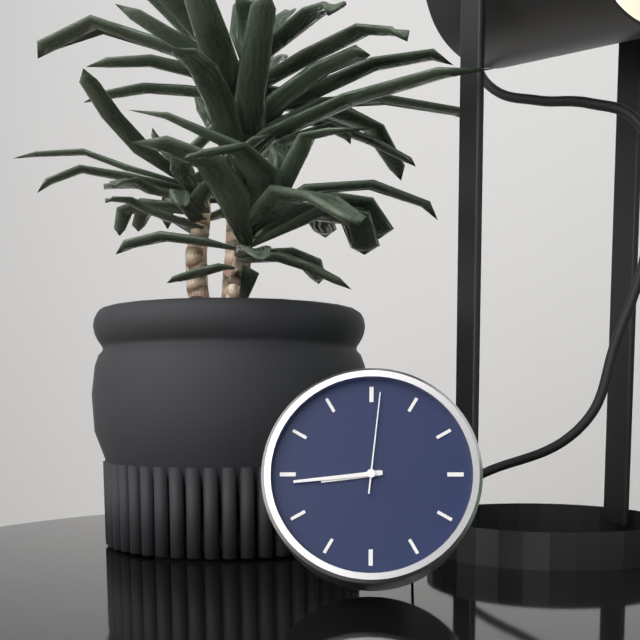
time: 8:44:01
